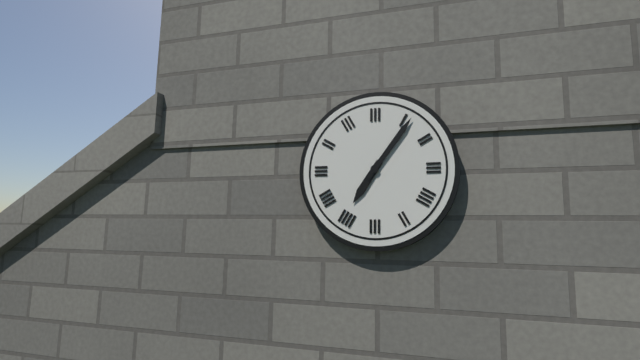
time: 7:06
